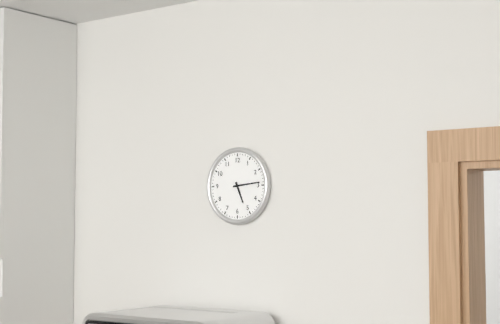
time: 5:14
